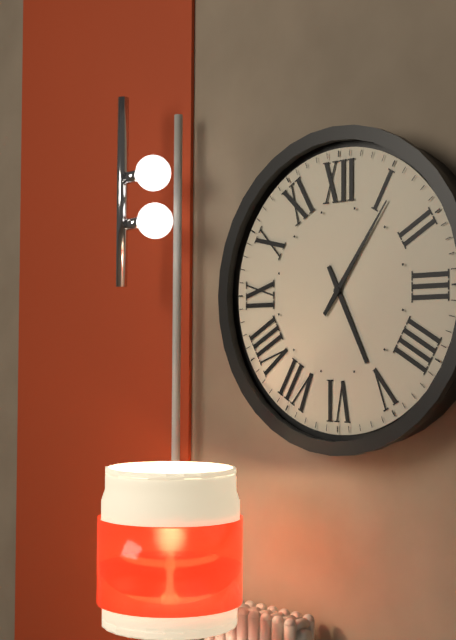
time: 5:06
